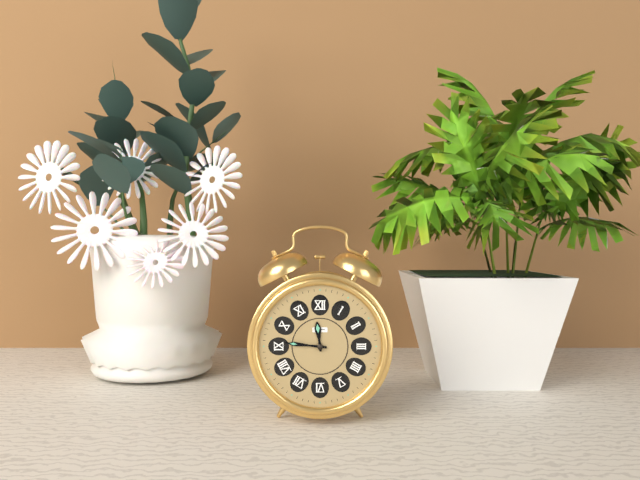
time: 11:46
